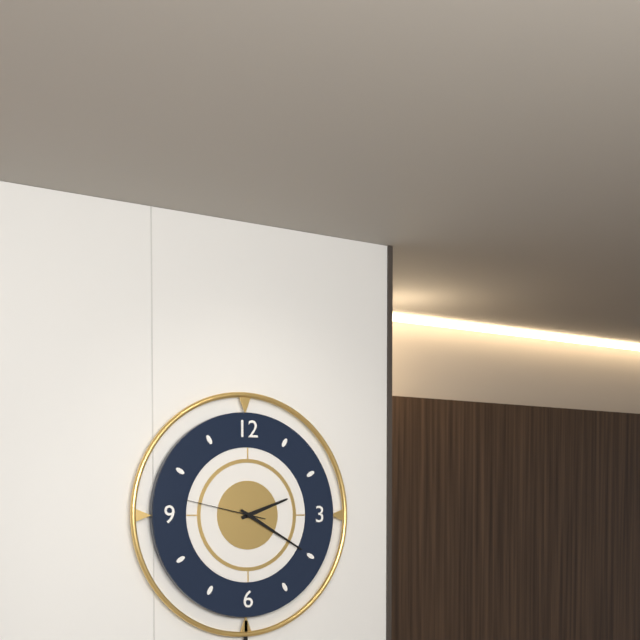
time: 2:20:47
